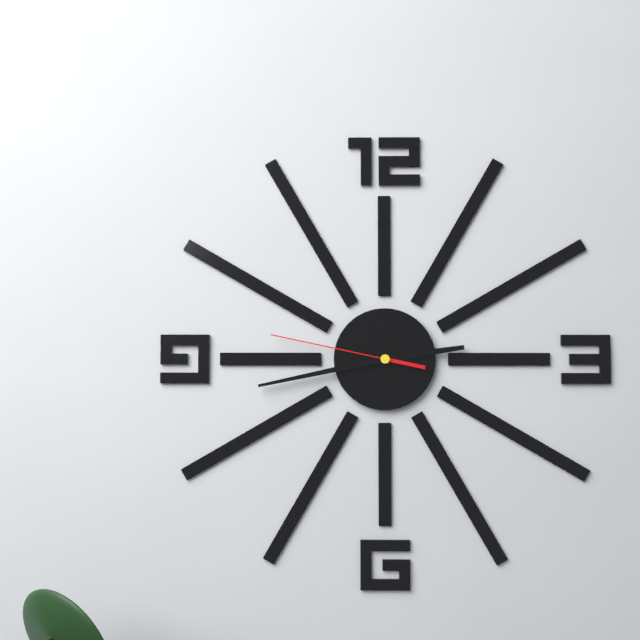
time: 2:43:47
